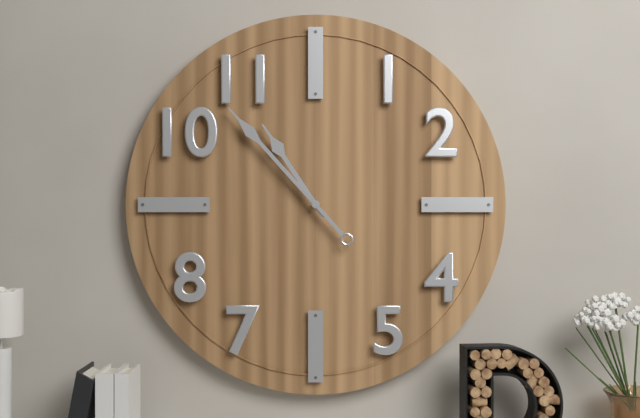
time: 10:53
